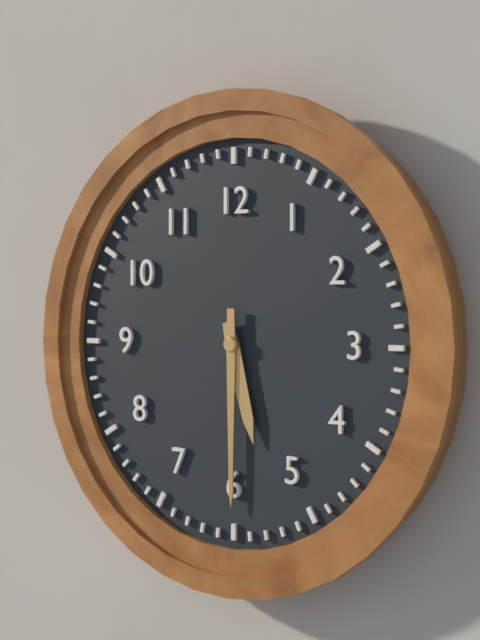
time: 5:30
